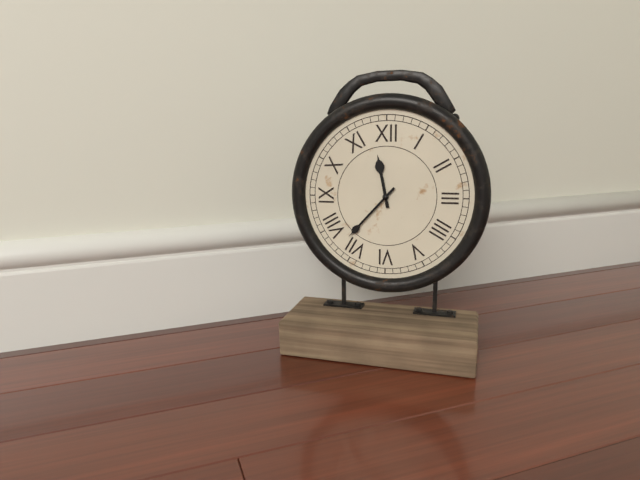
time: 11:37
